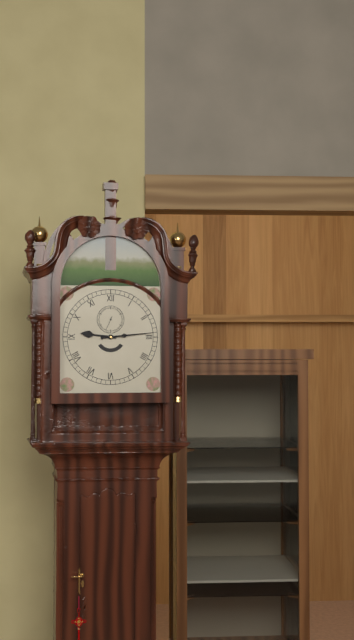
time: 9:14
